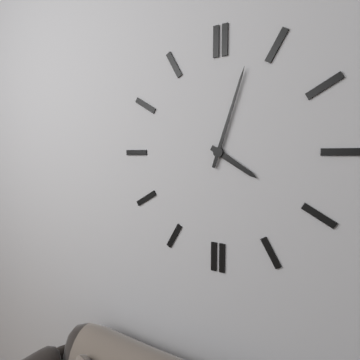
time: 4:03
